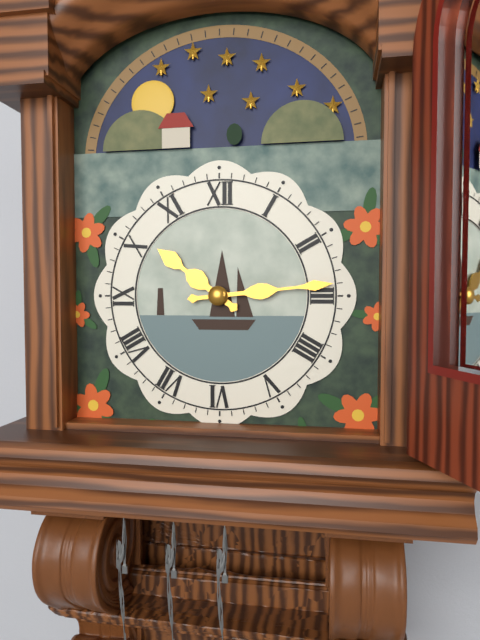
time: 10:14
